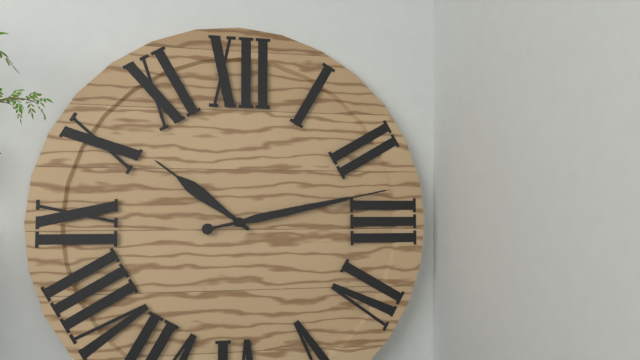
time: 10:13
